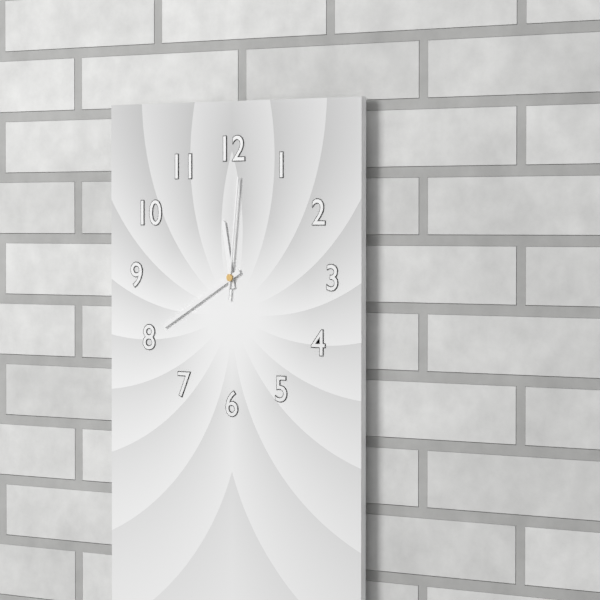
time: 11:40:01
